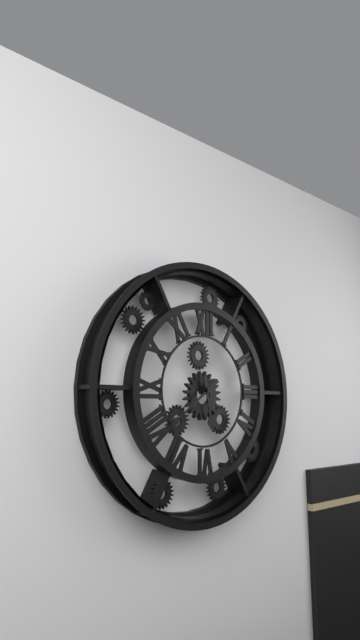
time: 5:39
